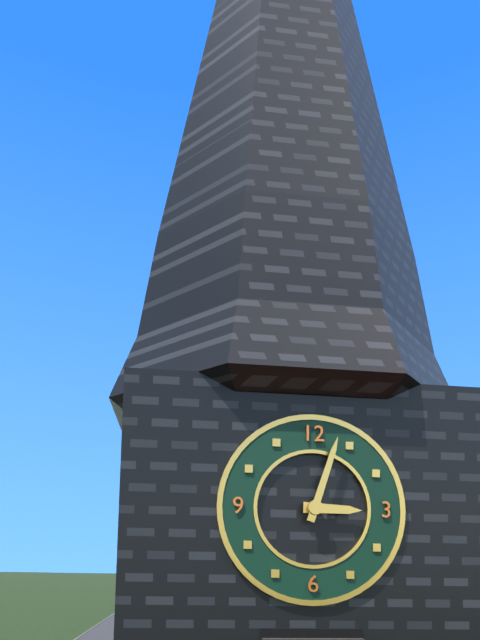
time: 3:03
